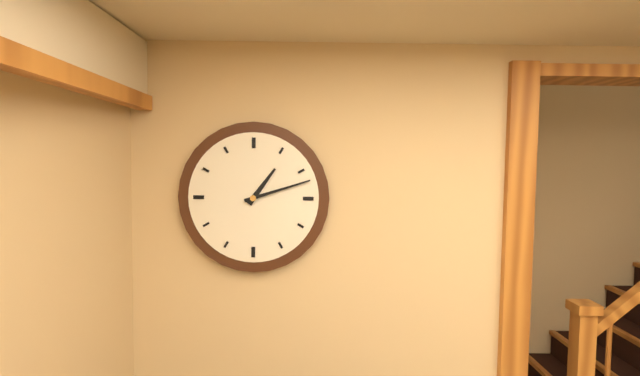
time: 1:12
